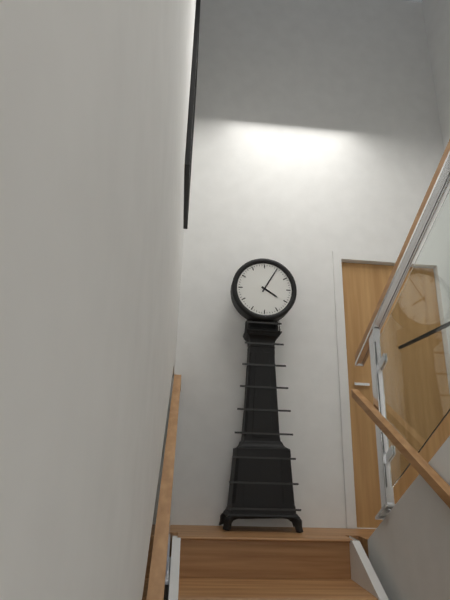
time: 4:05
